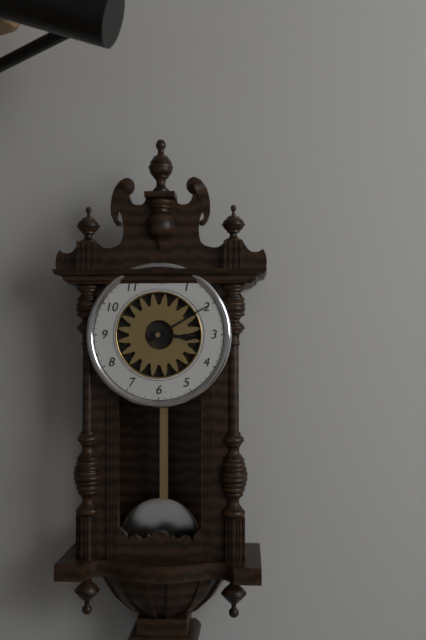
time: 3:10
